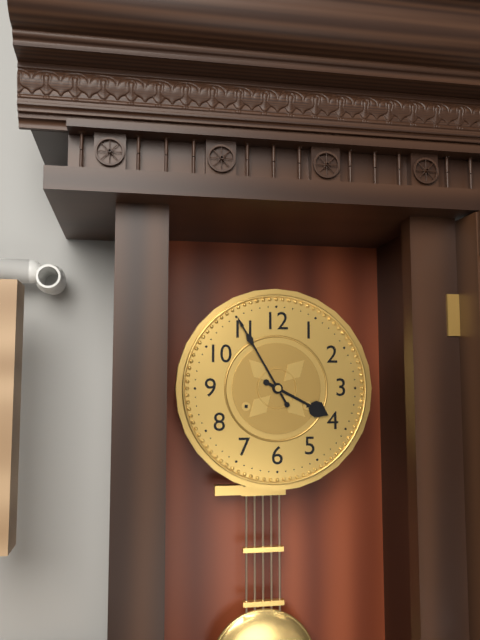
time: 3:55
